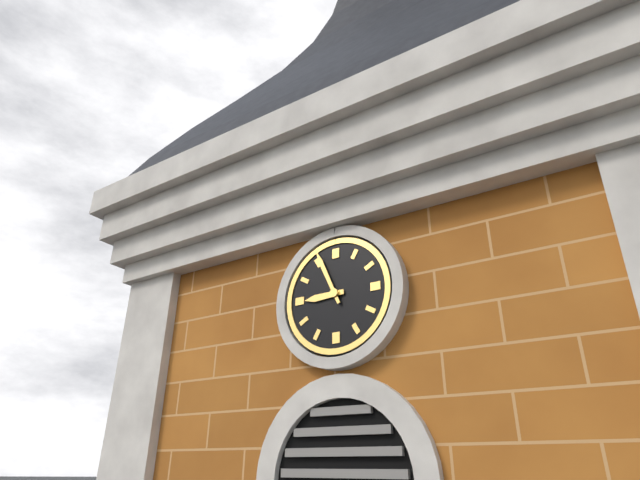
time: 8:56
